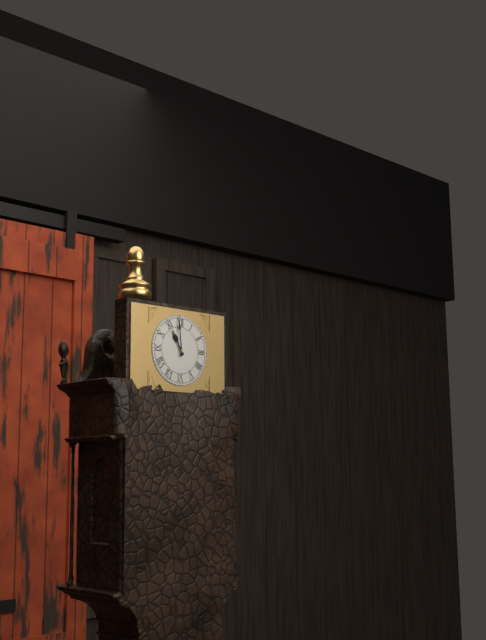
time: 10:59
